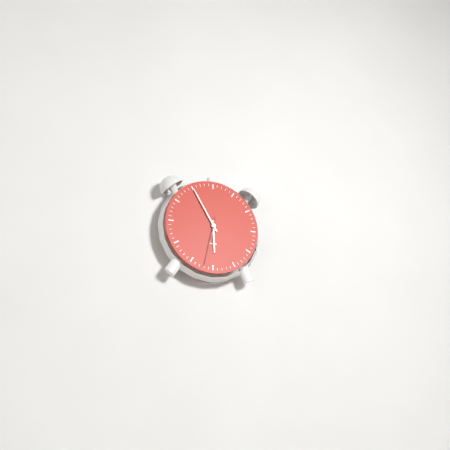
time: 5:55:32
